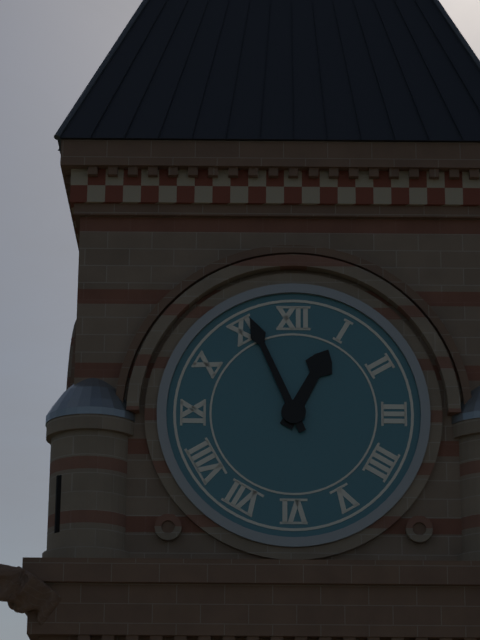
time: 12:56
